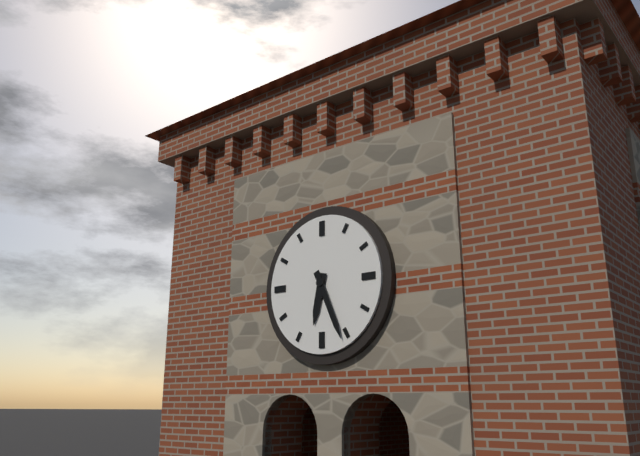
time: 6:26
